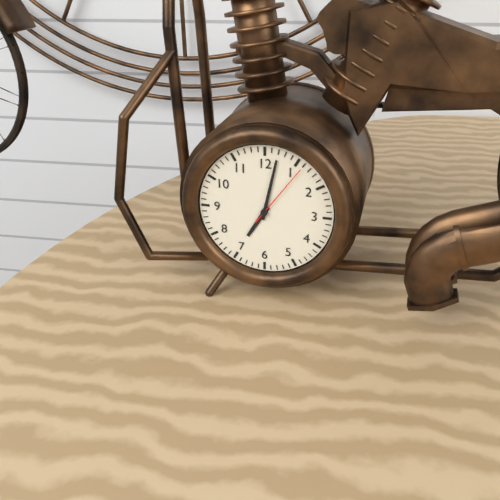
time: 7:02:06
